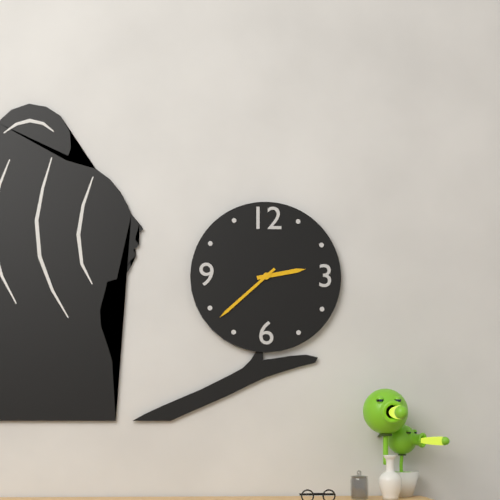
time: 2:38
